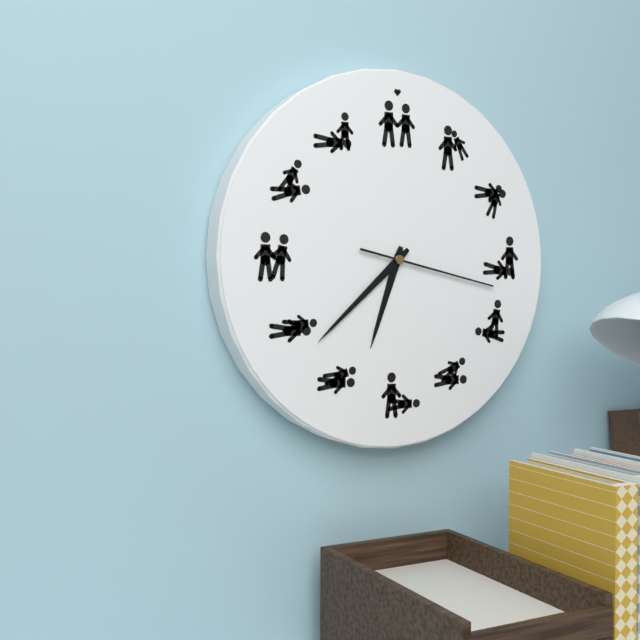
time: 6:38:17
